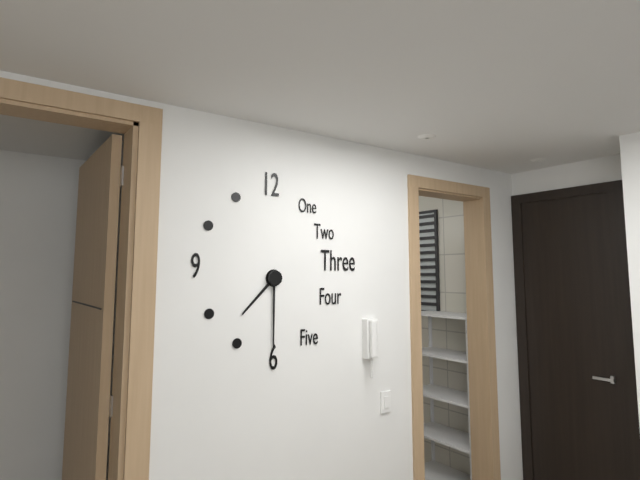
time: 7:30
